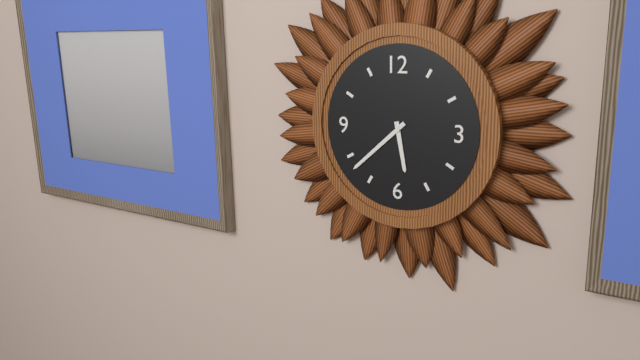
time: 5:38
